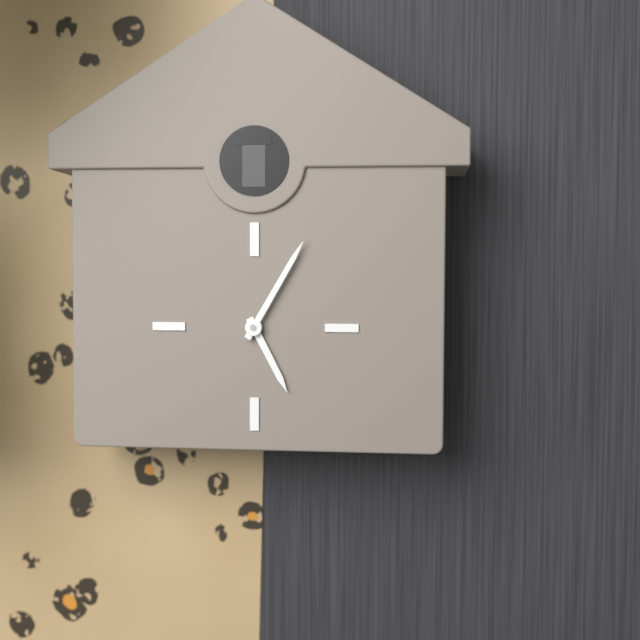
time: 5:05
